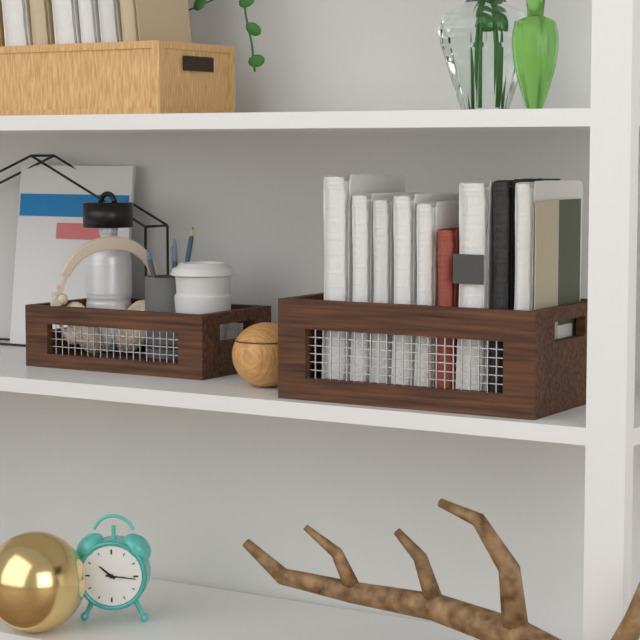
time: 10:16
